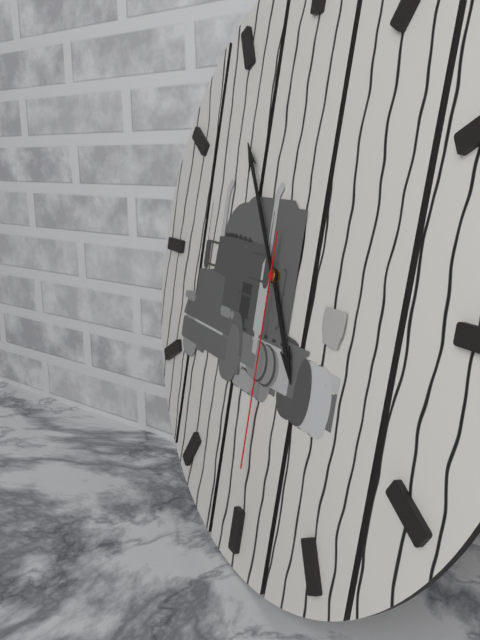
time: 4:54:30
